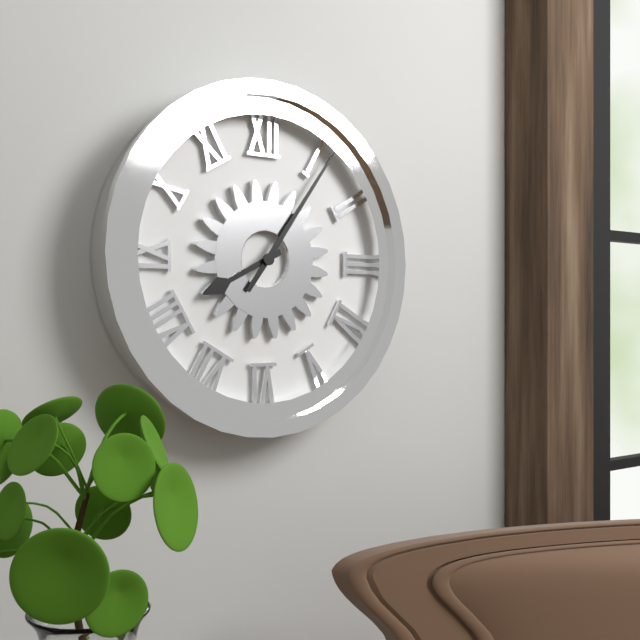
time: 8:06
